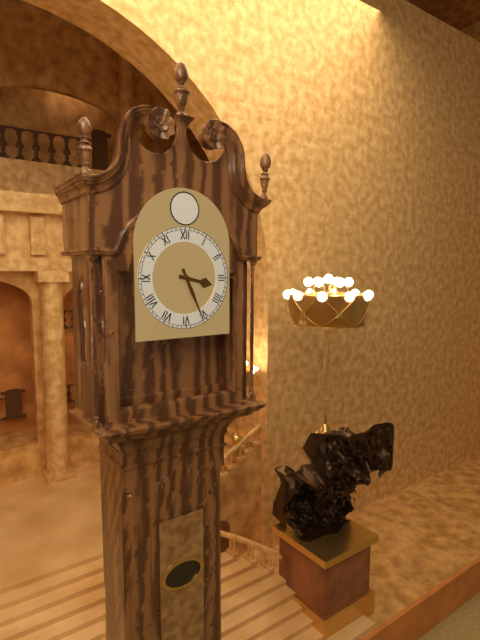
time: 3:26
